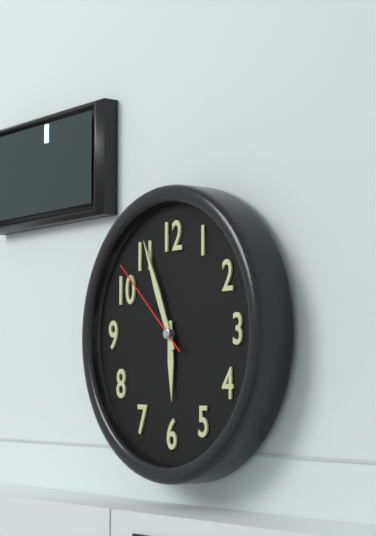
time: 5:56:52
